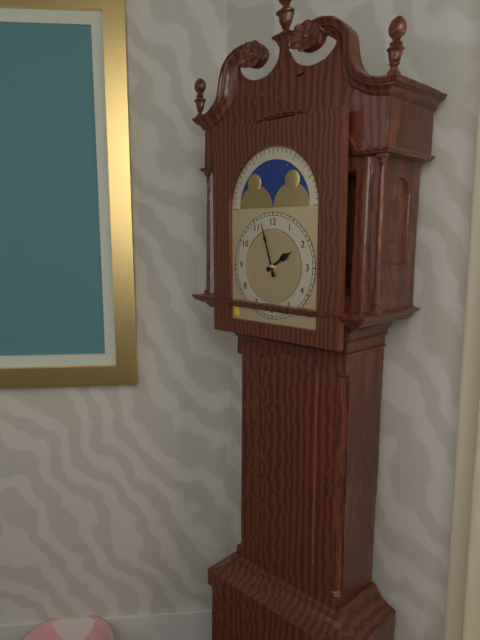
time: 1:57
